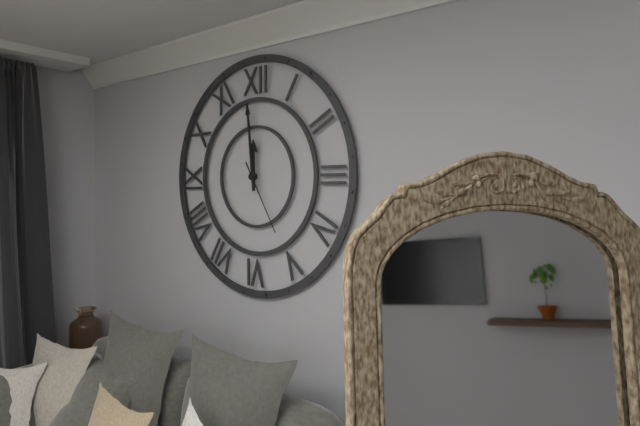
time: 11:59:25
